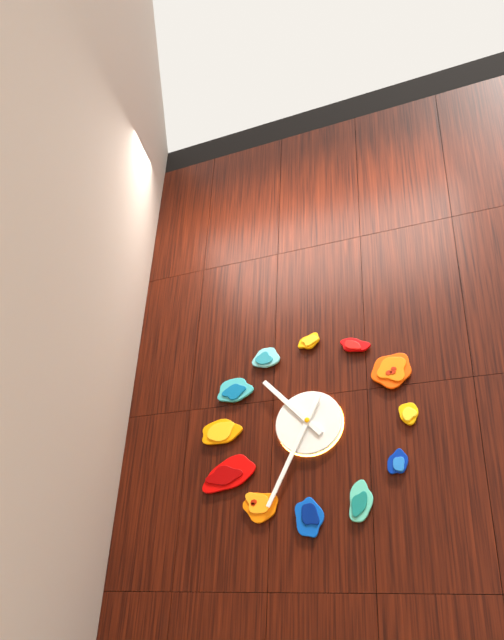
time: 10:34
